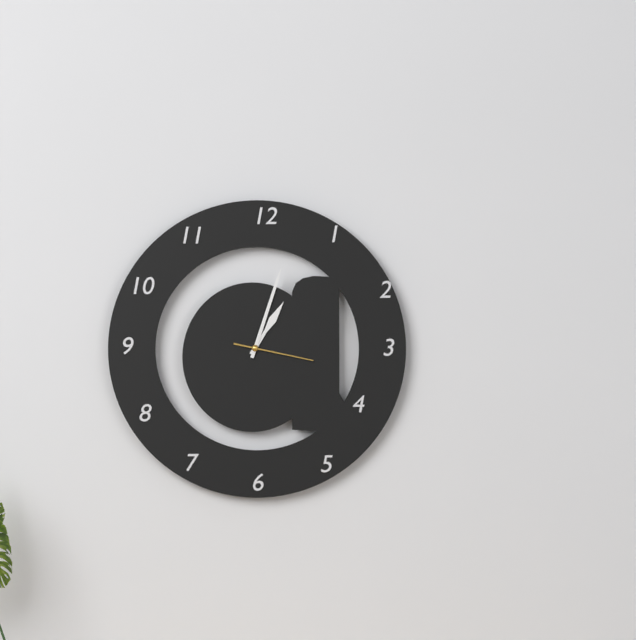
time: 1:03:17
